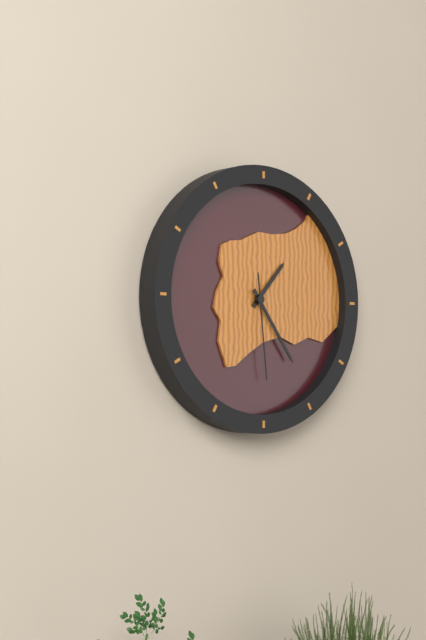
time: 1:24:29
